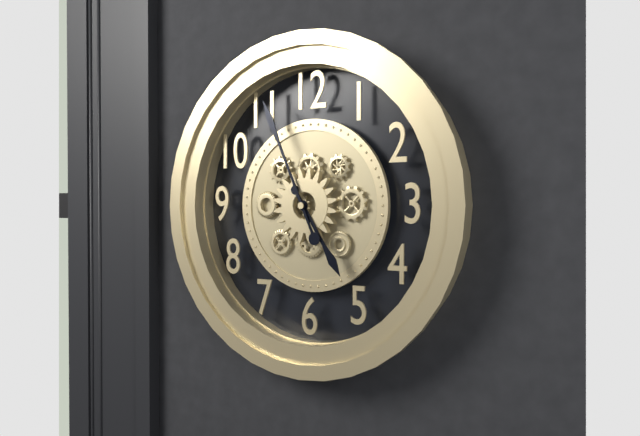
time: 4:56
